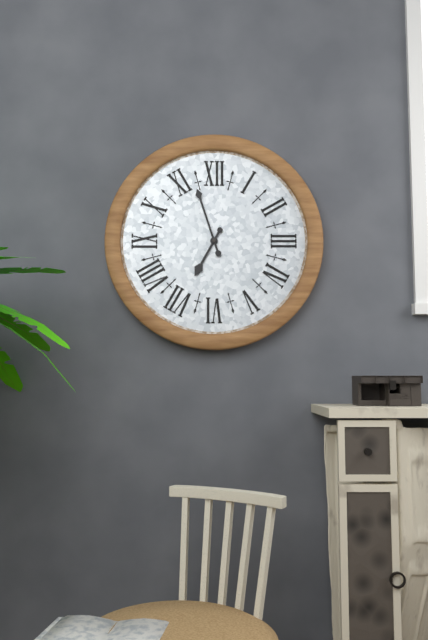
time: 6:57
